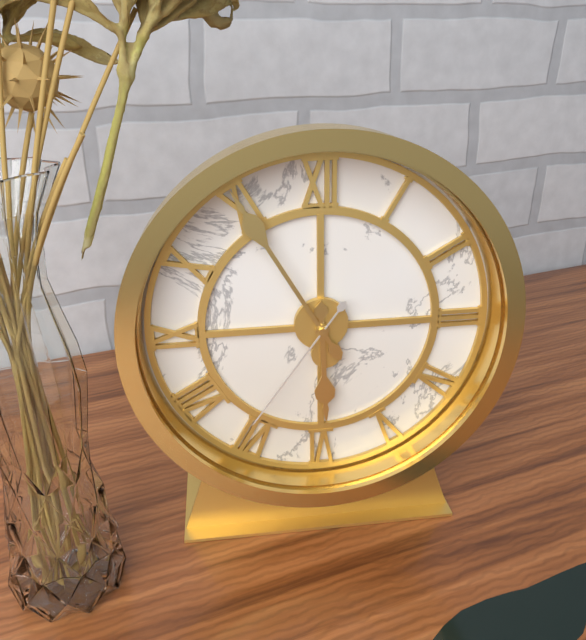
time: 5:55:36
